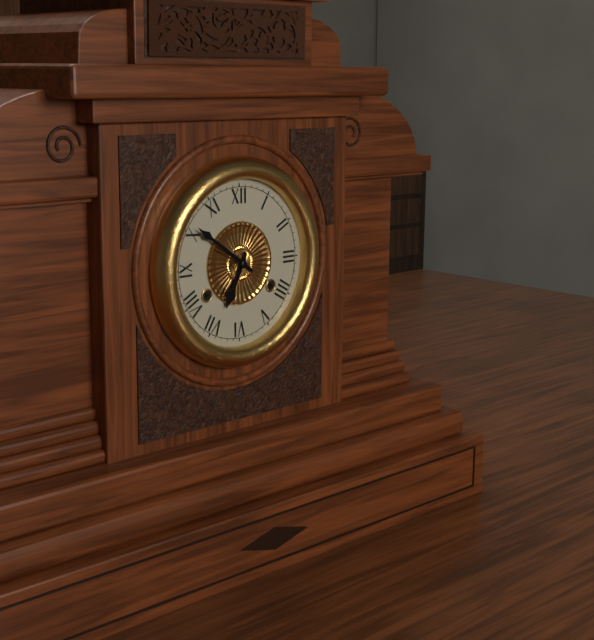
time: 6:51
